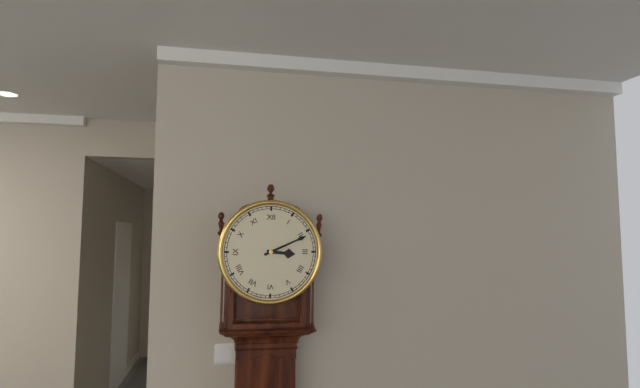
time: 3:11
